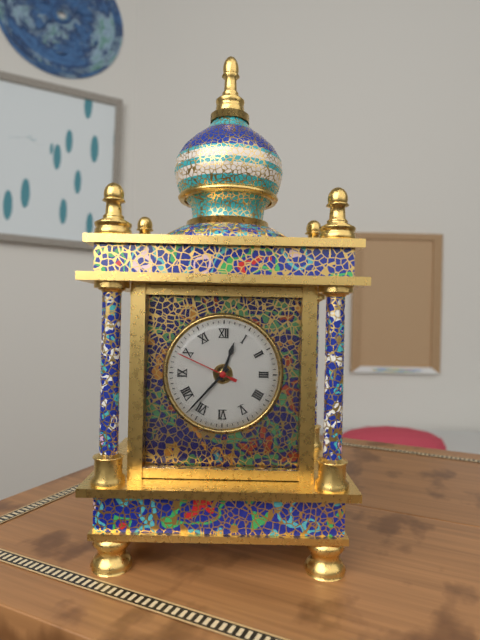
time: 12:37:49
